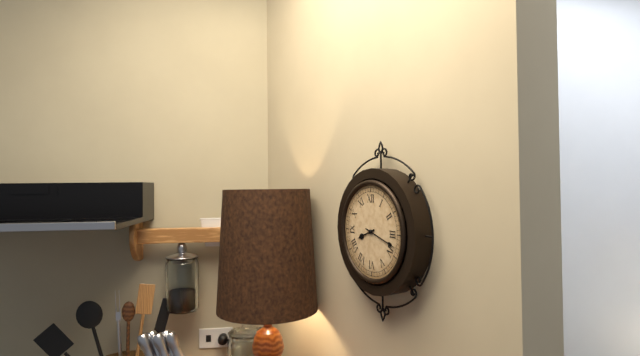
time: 8:18
